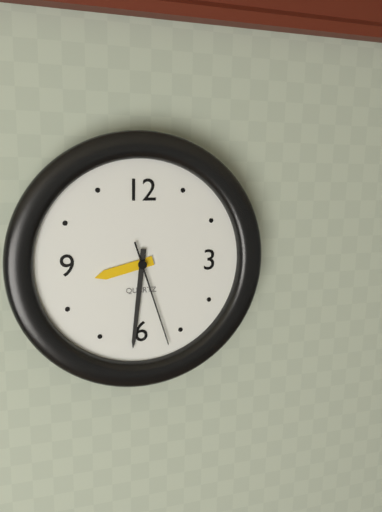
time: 8:31:27
